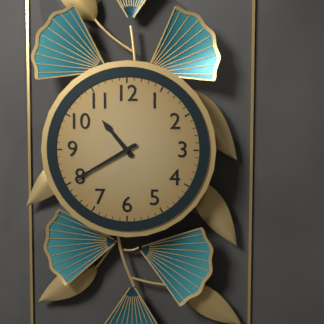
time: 10:40
